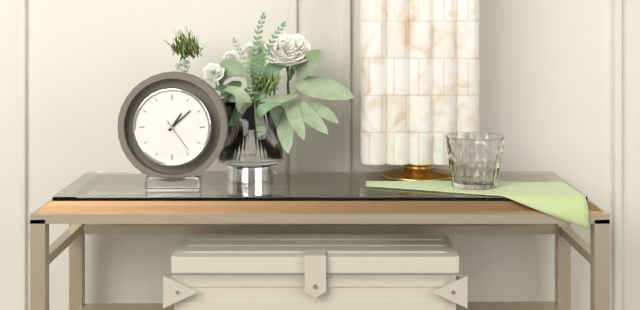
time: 1:08
